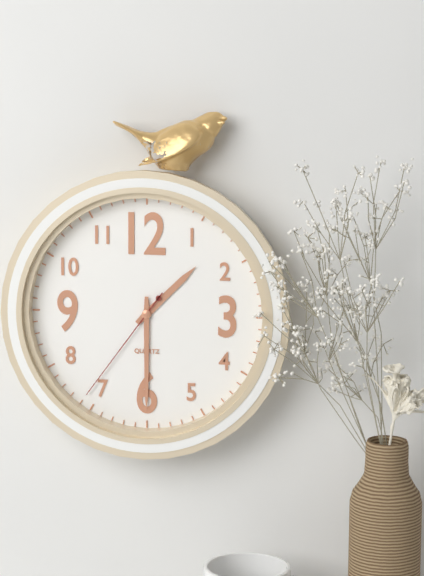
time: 1:30:36
